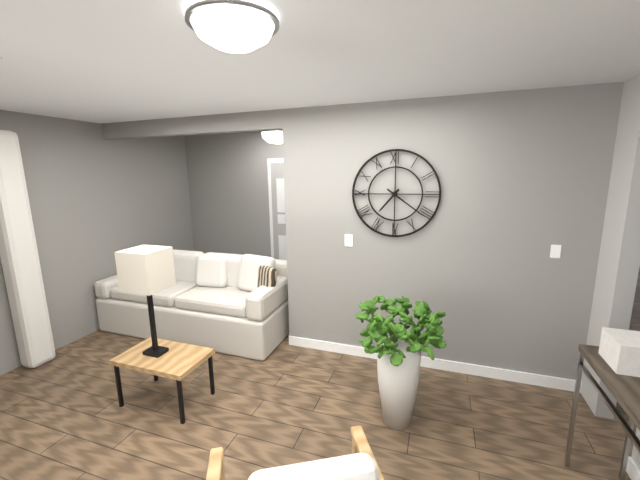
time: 7:21
